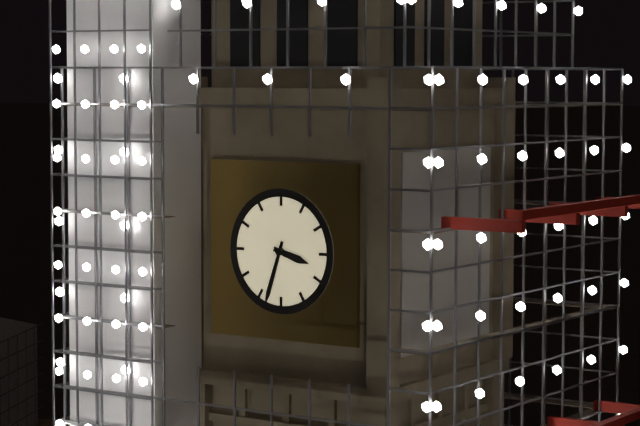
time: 3:33
